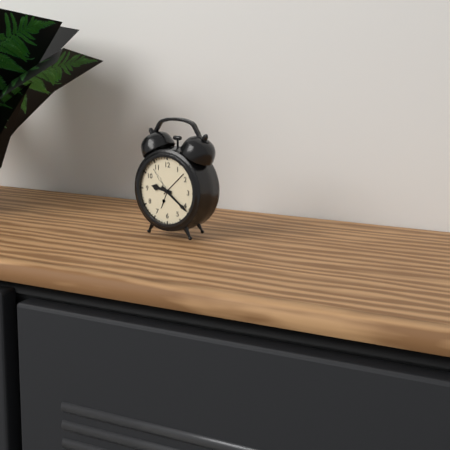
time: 9:21
